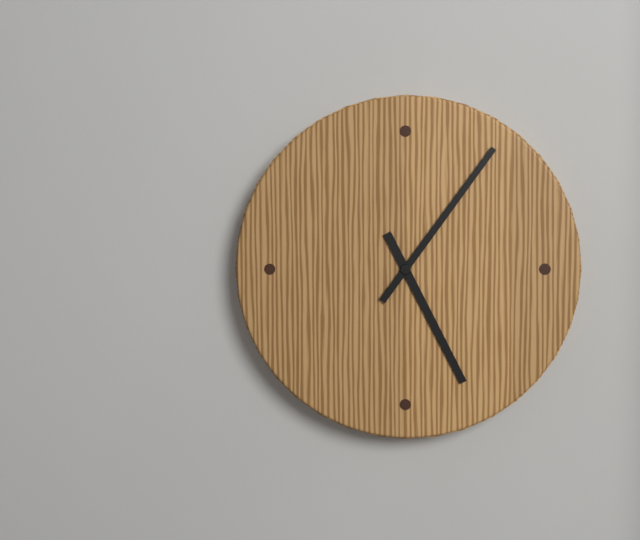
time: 5:06
